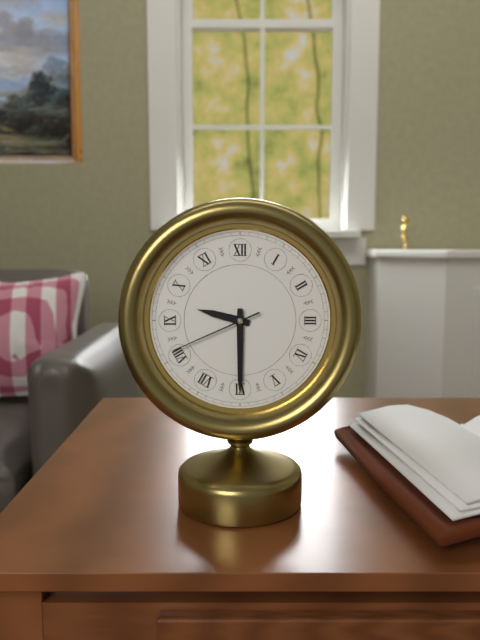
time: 9:30:41
